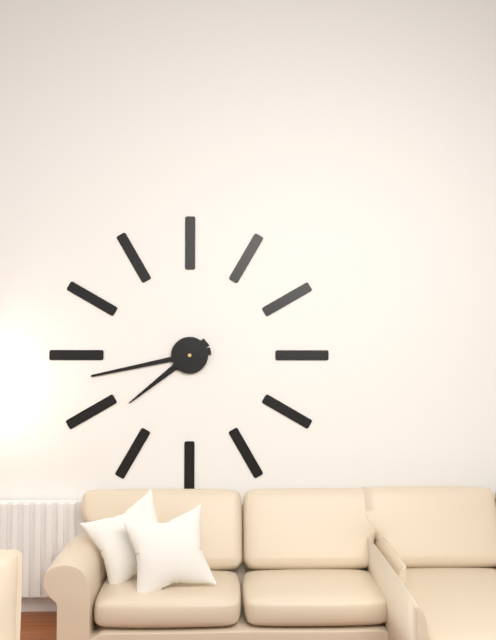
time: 7:43
